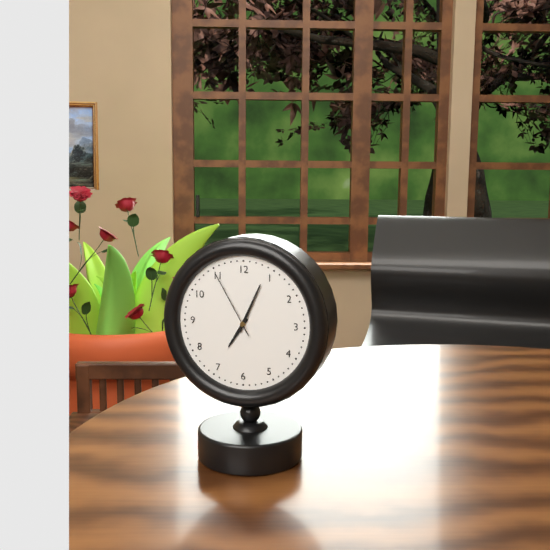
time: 7:04:55
